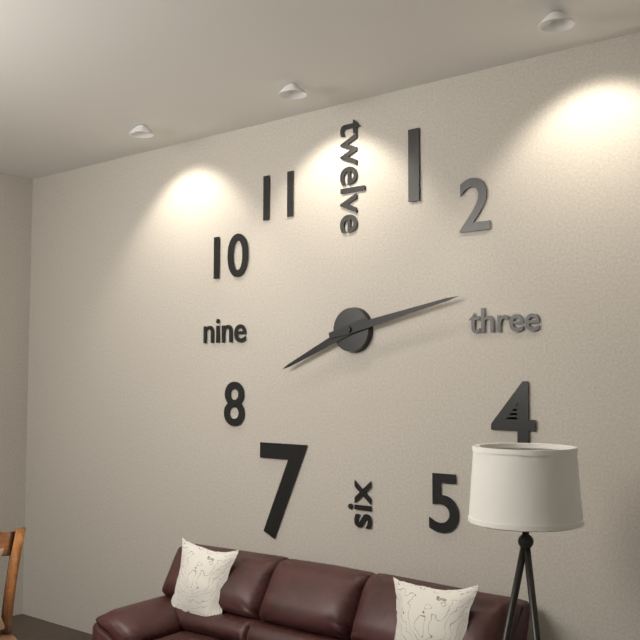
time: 8:13
